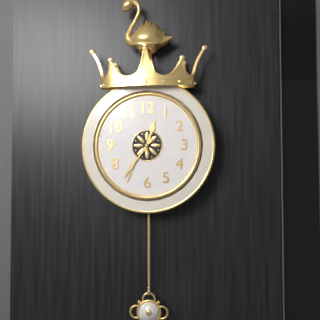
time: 12:36
